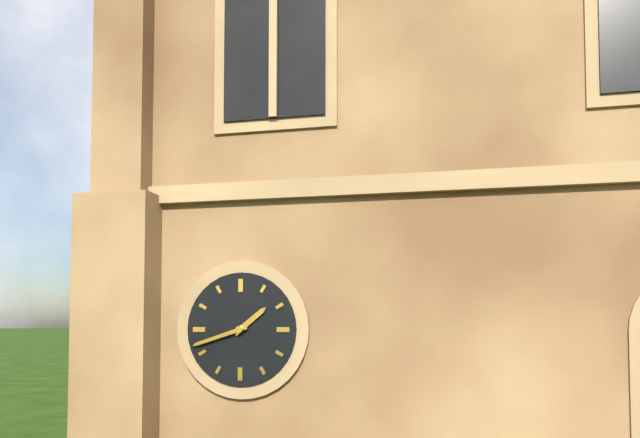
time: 1:42
